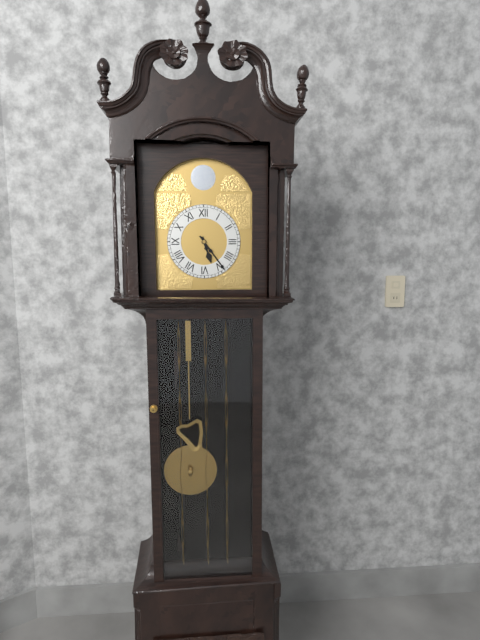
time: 5:24
